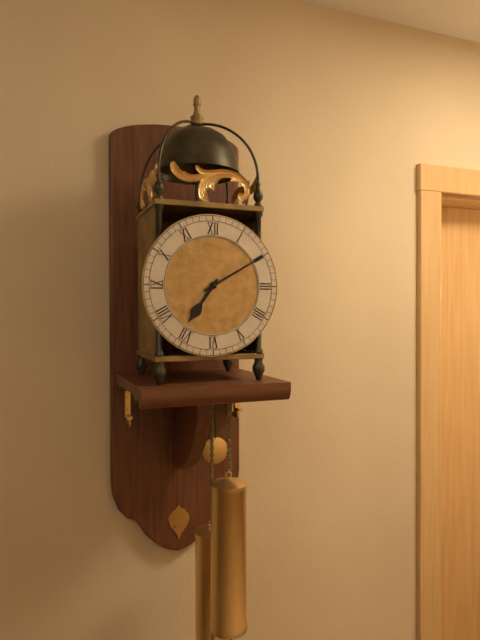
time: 7:10
